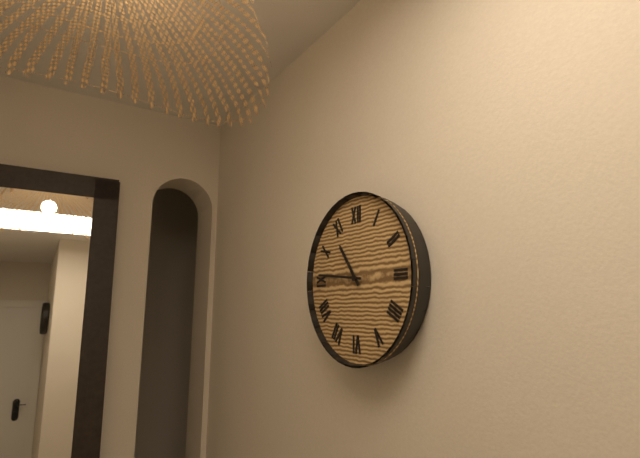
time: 10:46
